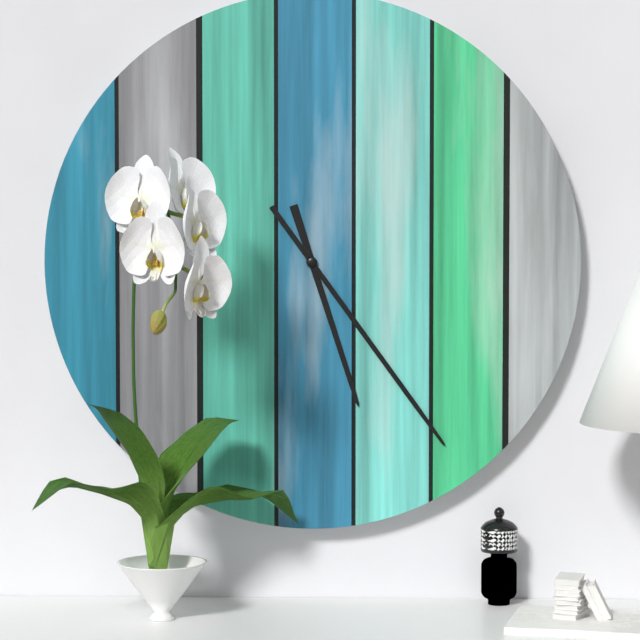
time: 5:24
